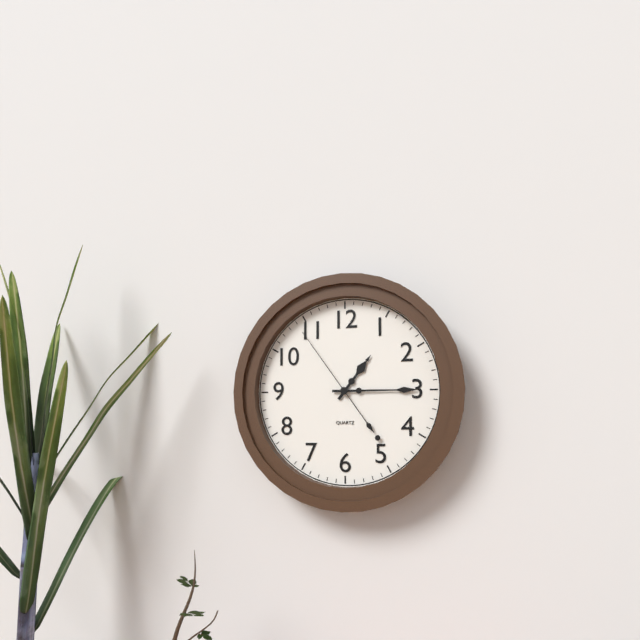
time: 1:15:54
